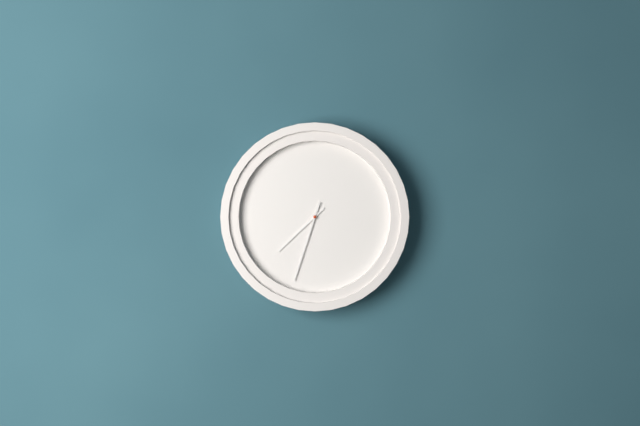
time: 7:33
